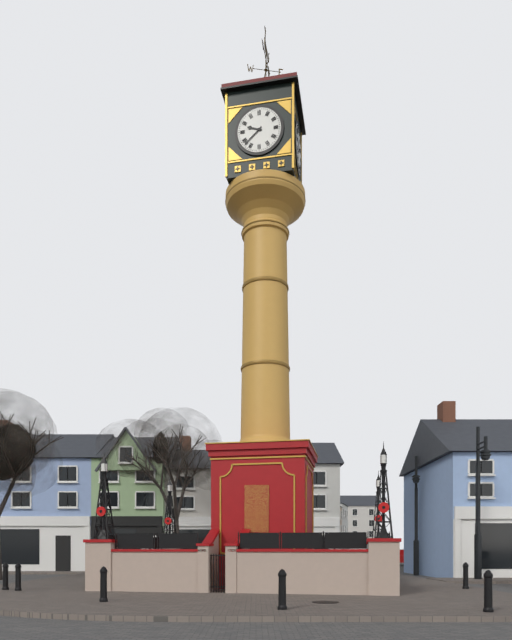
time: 9:38
